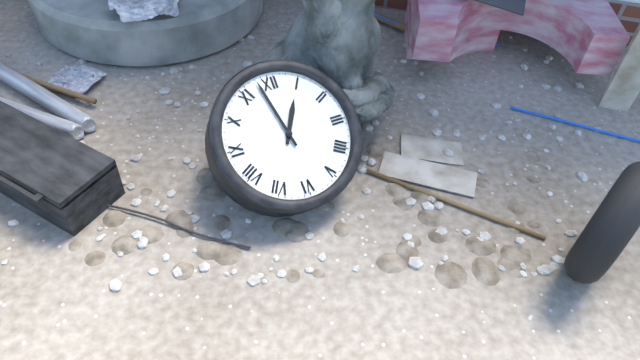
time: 12:58
